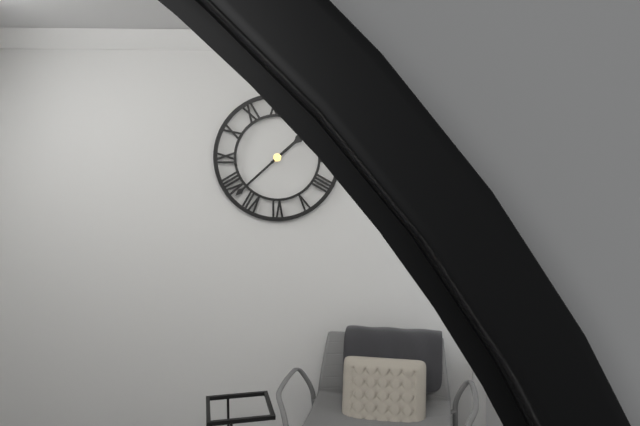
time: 1:38
